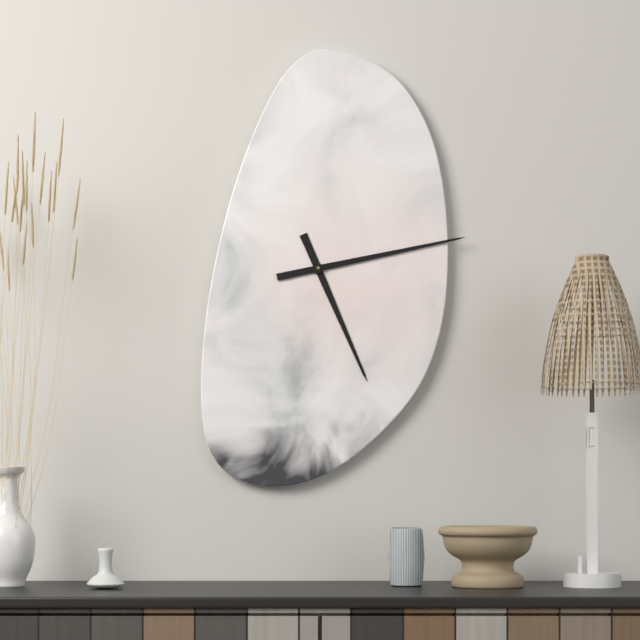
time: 5:13
